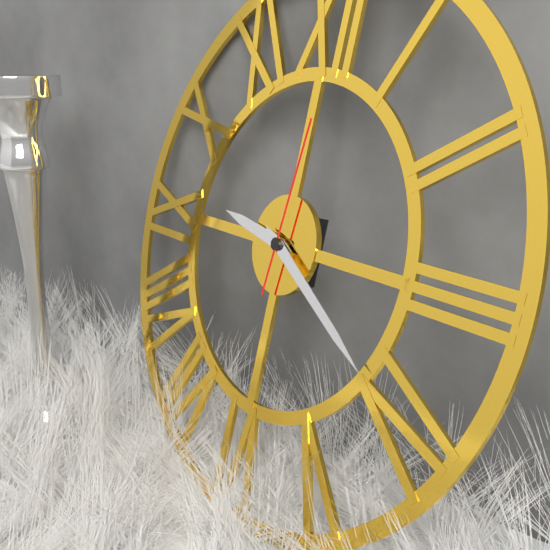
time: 9:20:01
